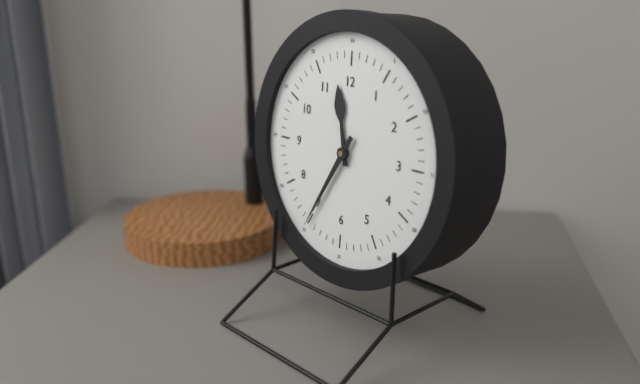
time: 11:35
